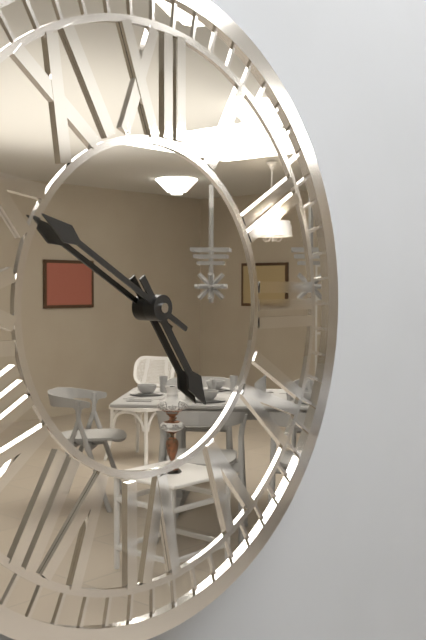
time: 4:50
